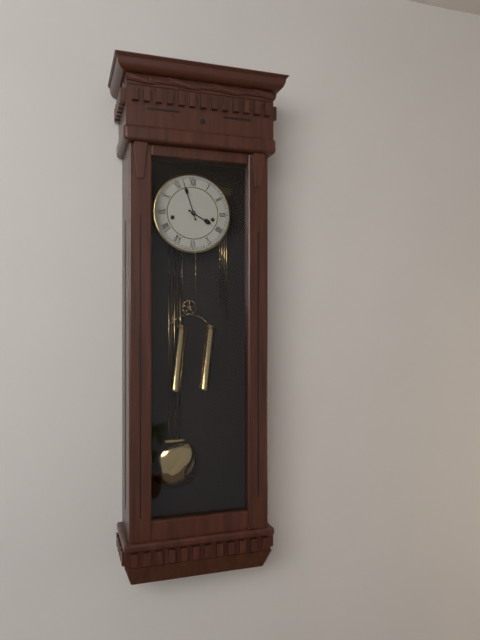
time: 3:57
